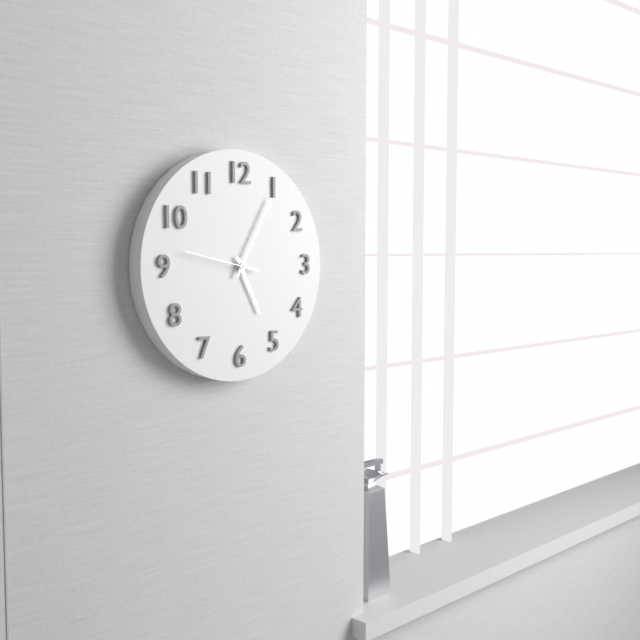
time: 5:05:47
